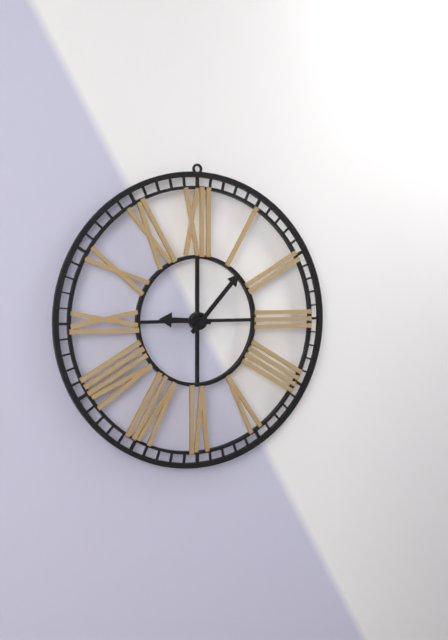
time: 9:07
